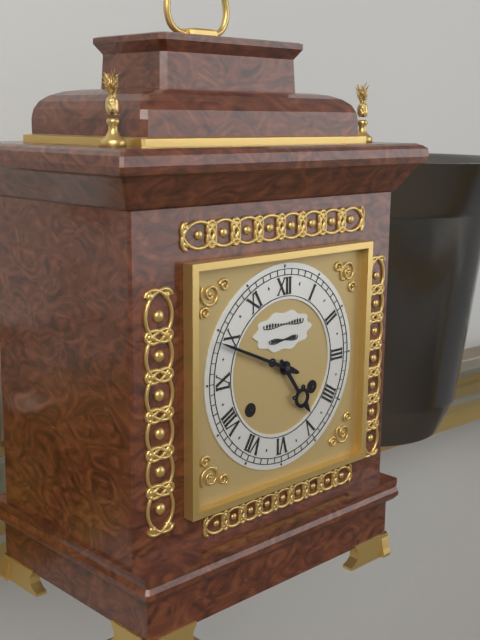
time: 4:49
